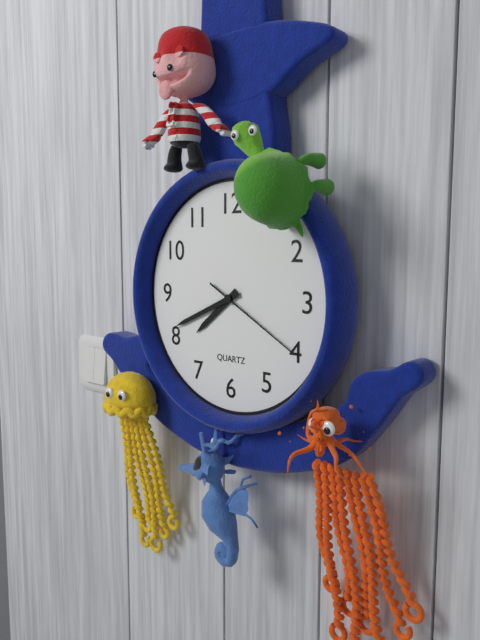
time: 7:41:20
